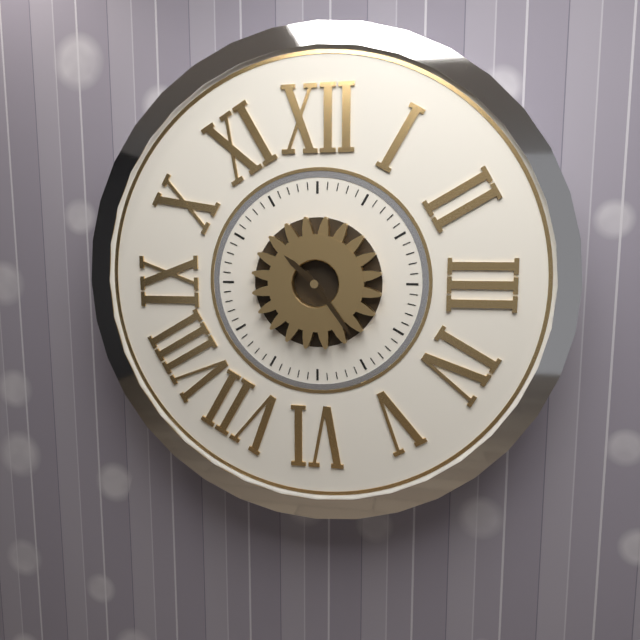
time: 10:24
